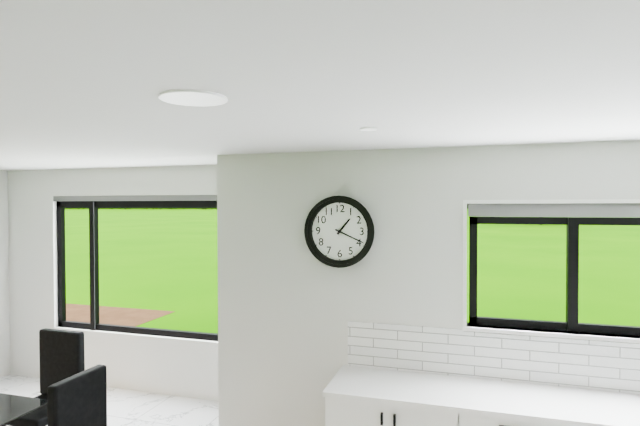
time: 1:19
